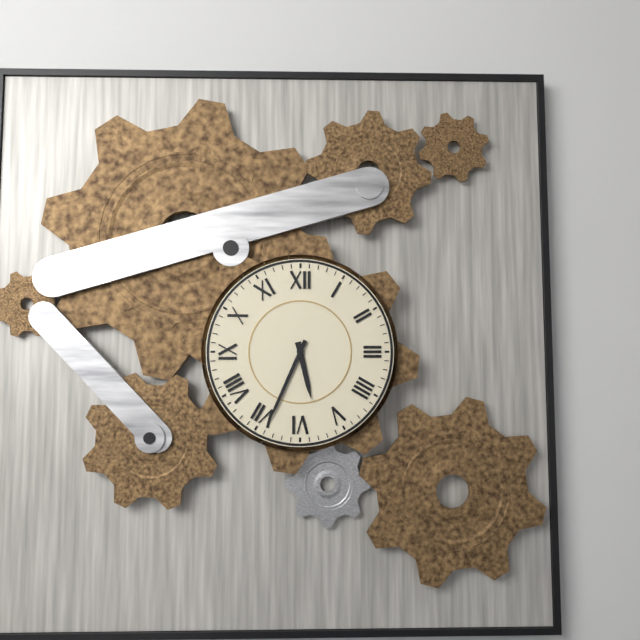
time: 5:34
